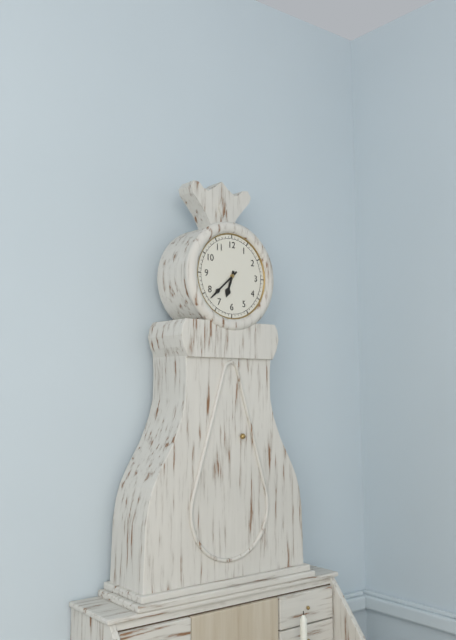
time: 6:38
